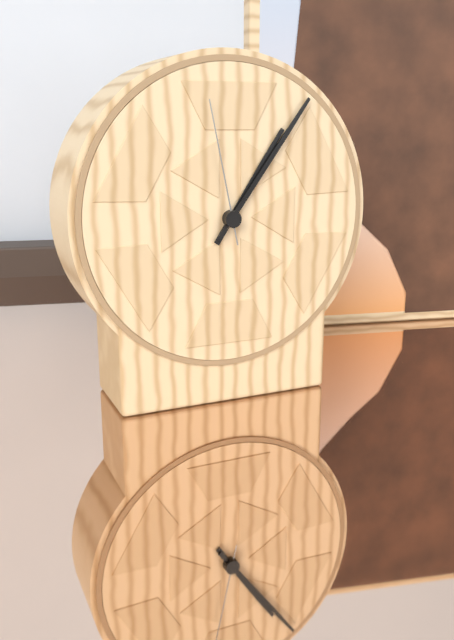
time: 1:06:58
